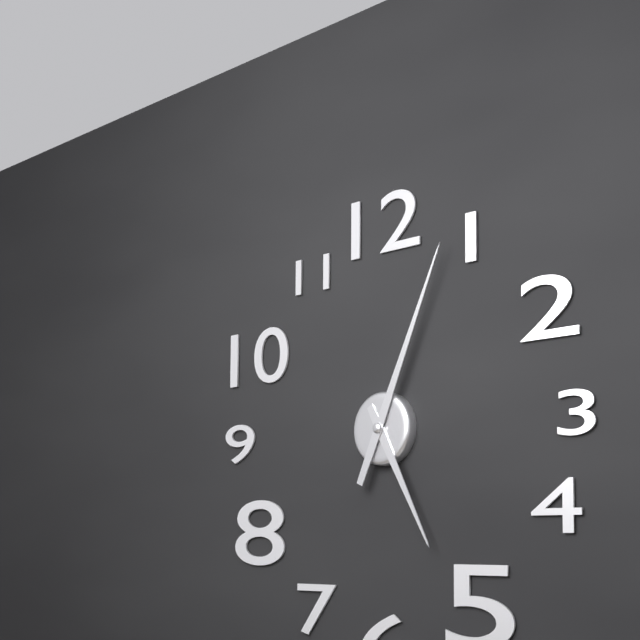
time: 5:04
